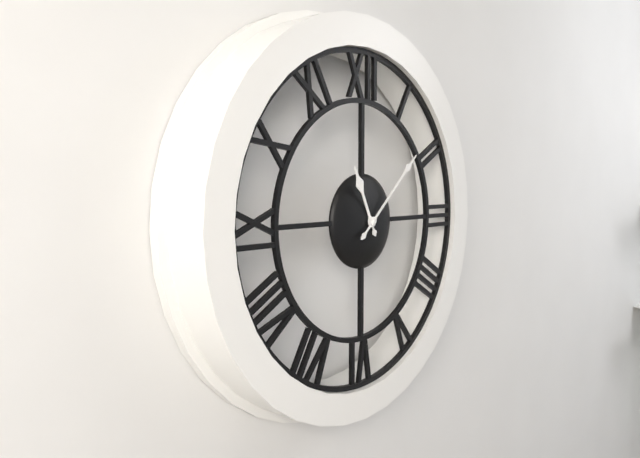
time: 11:08
